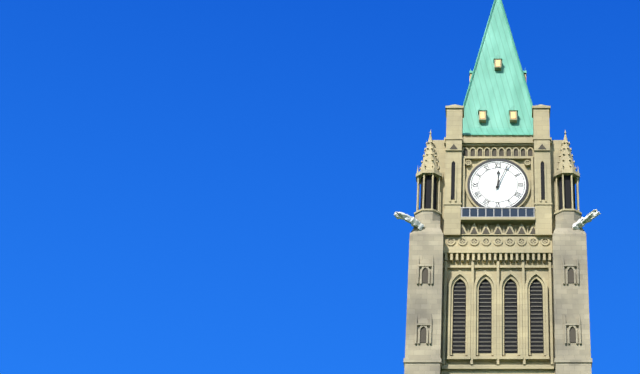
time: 12:04
